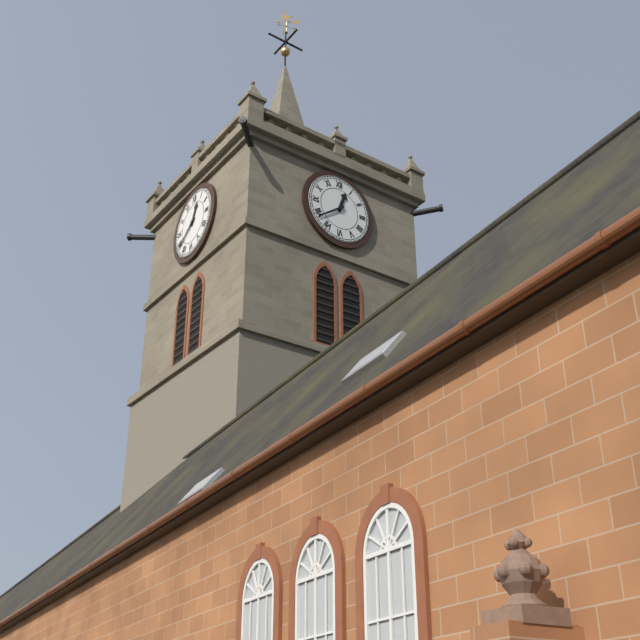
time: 12:39
